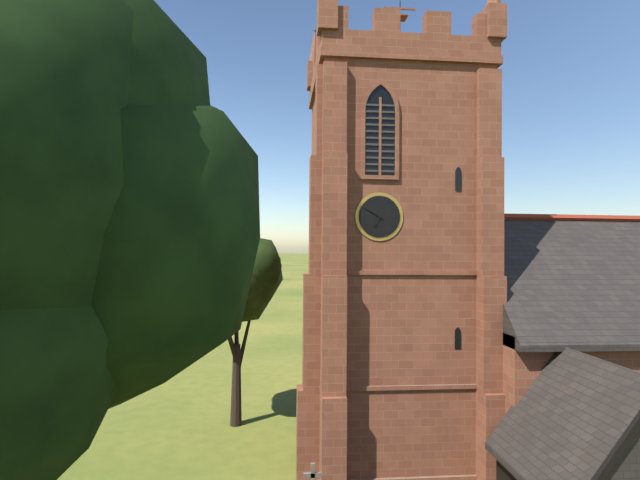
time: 6:50
